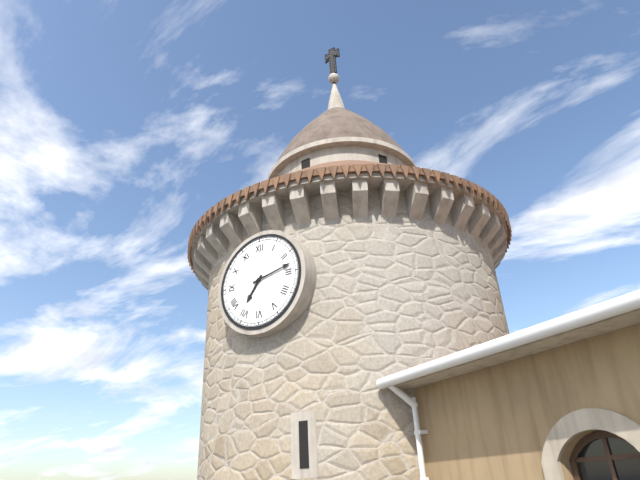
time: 7:13
